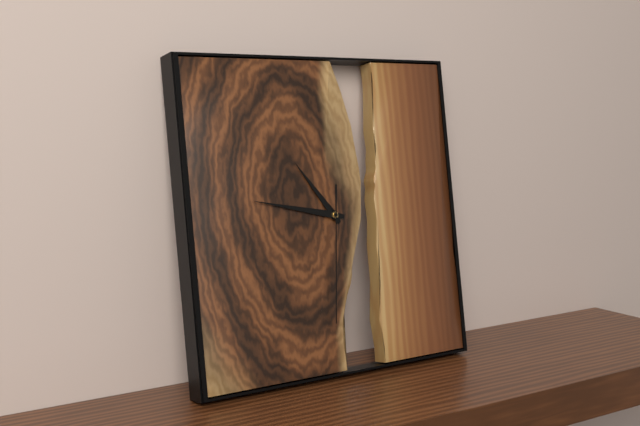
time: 10:47:31
